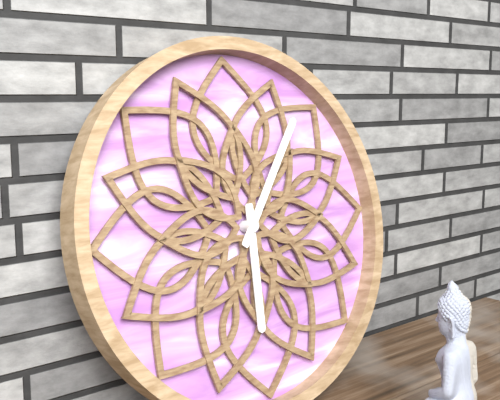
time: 6:06
